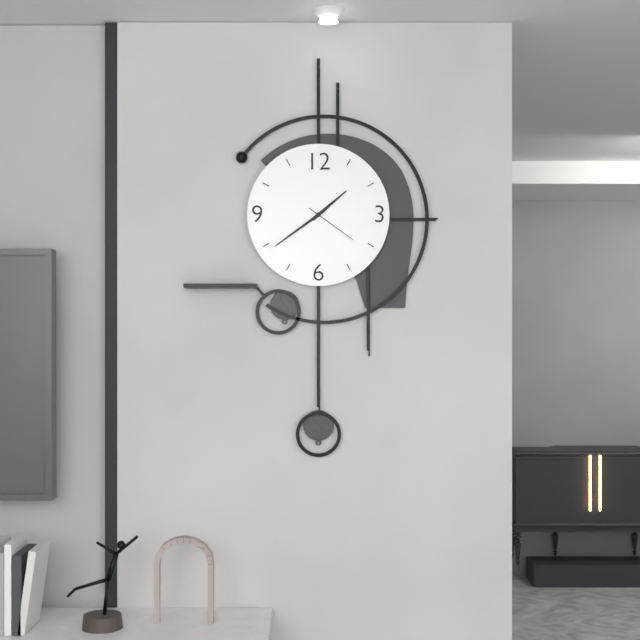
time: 1:39:21
